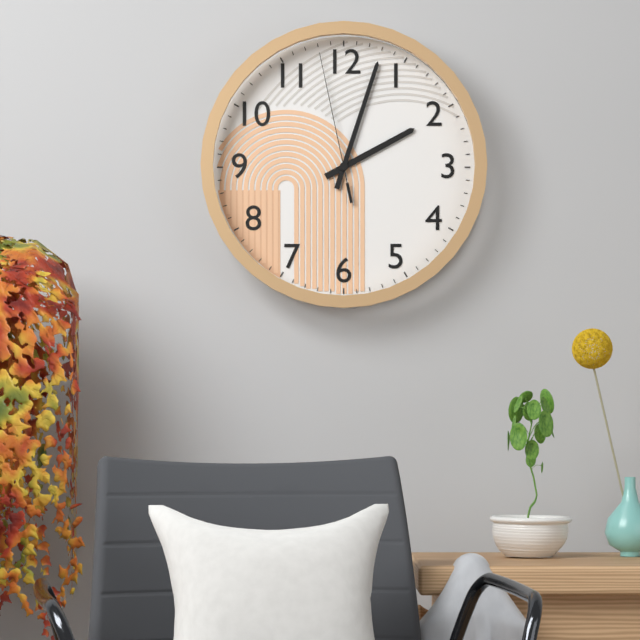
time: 2:03:58
